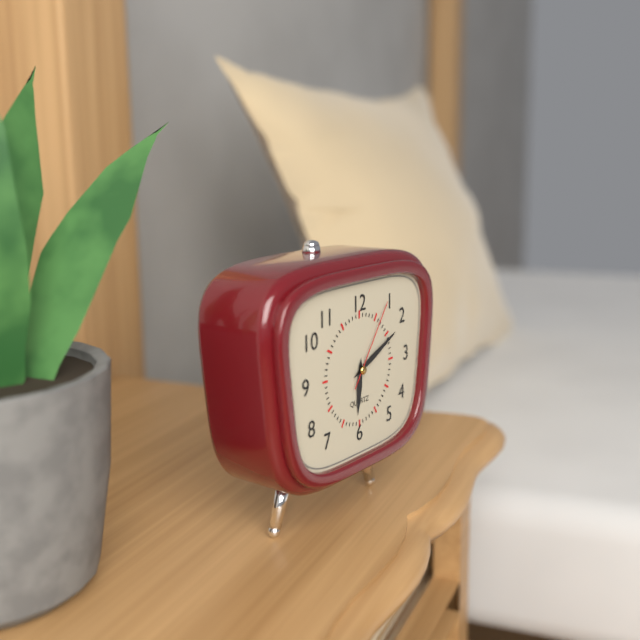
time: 6:11:06
